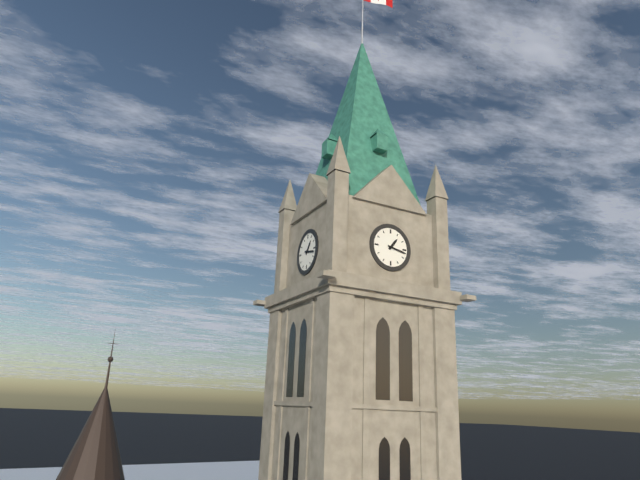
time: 1:17
